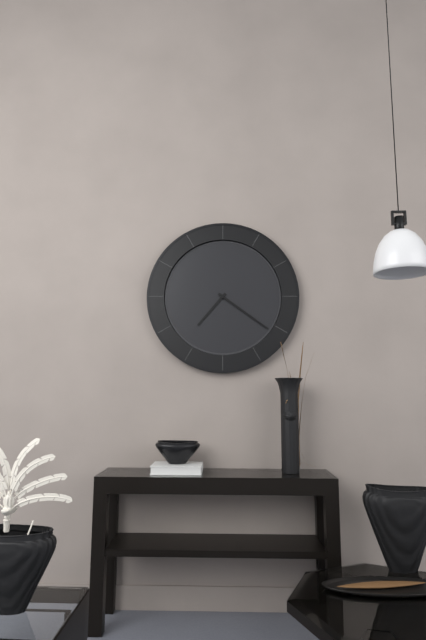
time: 7:21
